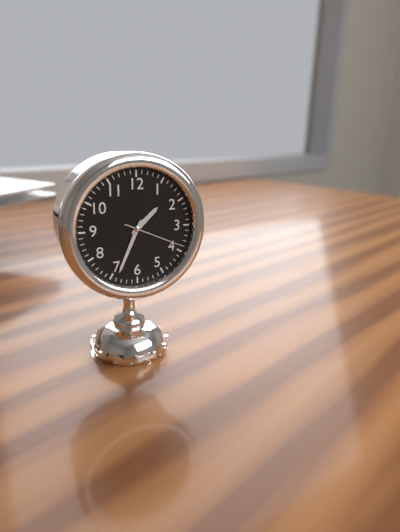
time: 1:34:19
